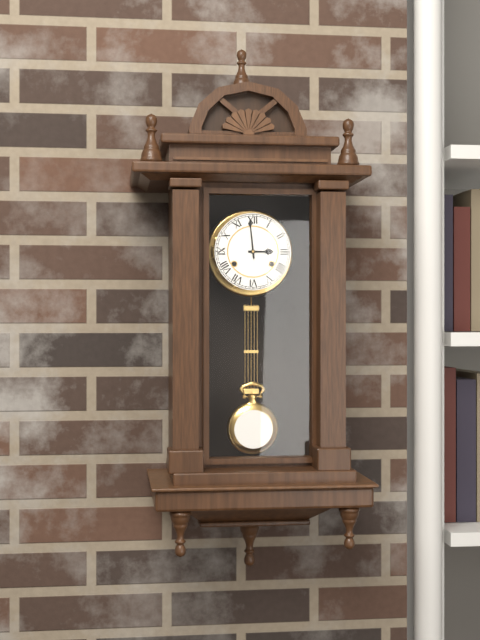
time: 2:59
